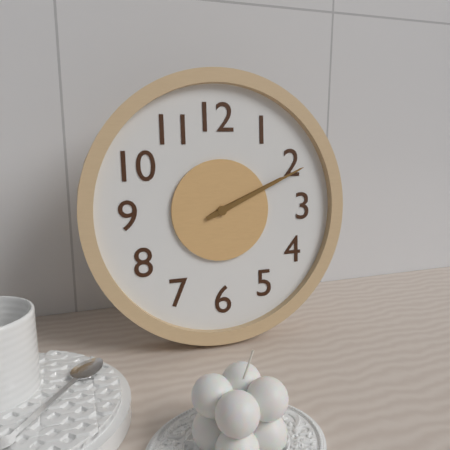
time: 2:11
